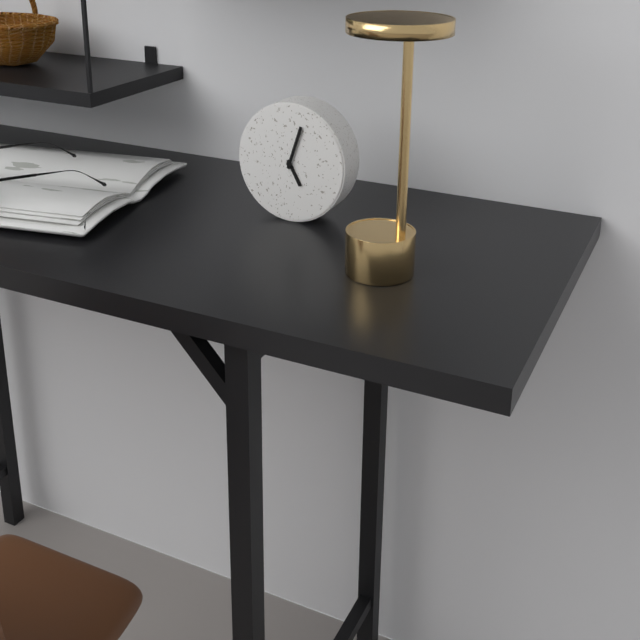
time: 5:03
